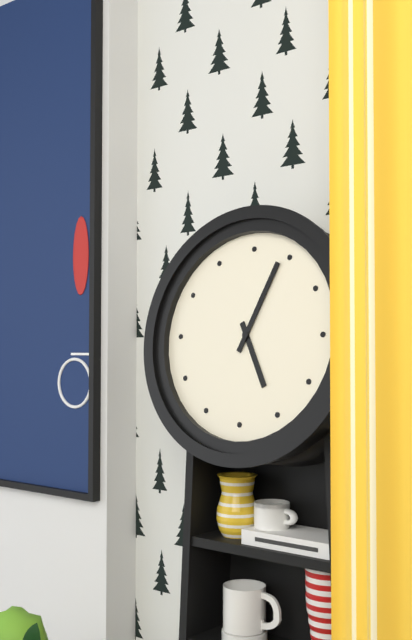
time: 5:04
